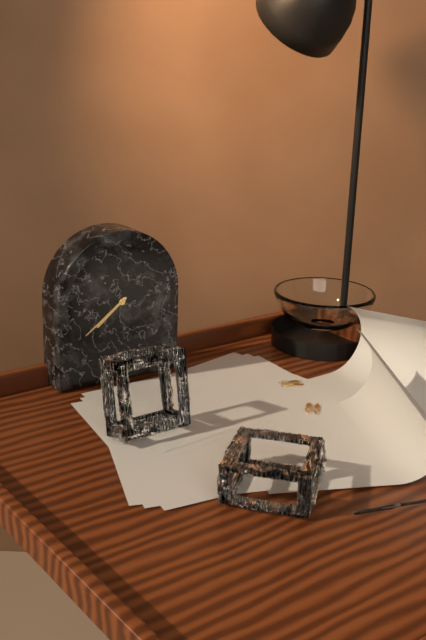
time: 7:39
